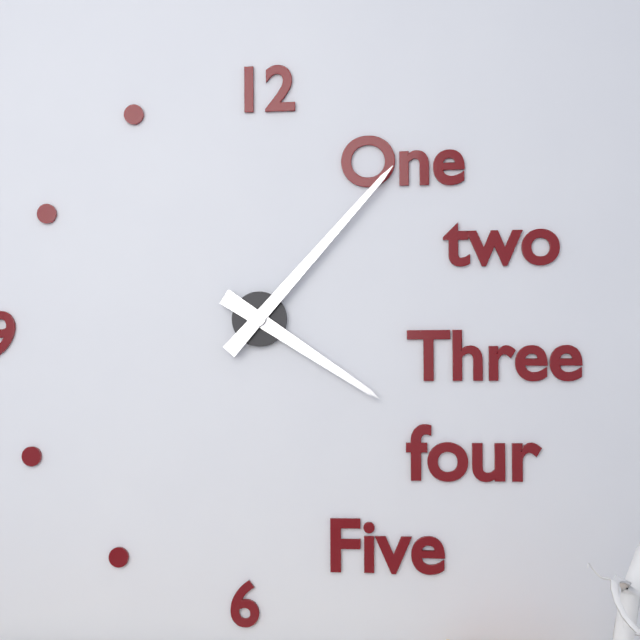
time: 4:07
